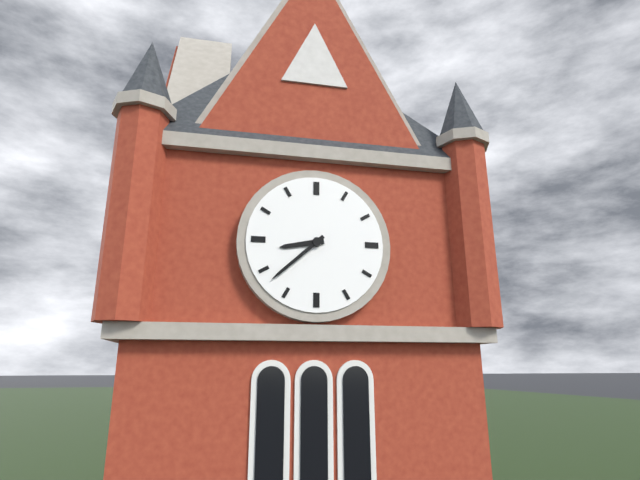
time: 8:38
